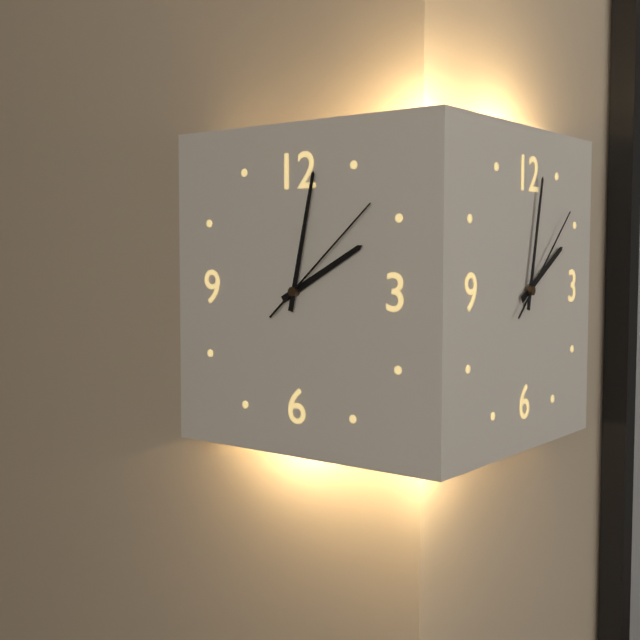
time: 2:02:08
